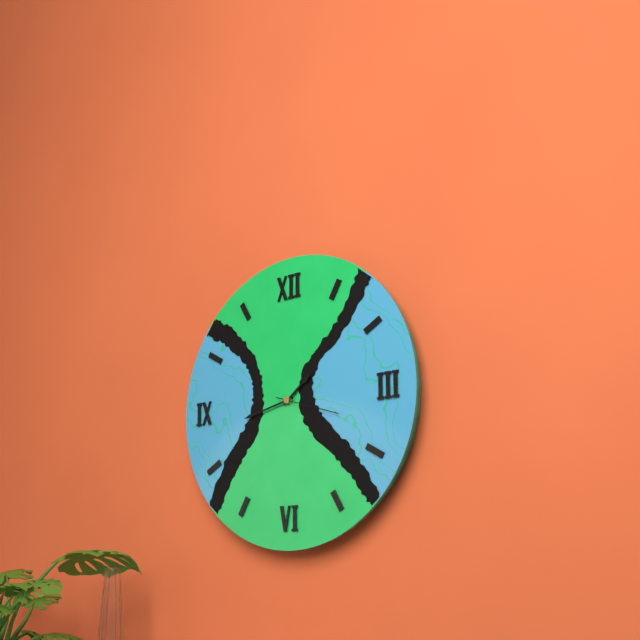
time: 1:43:18
